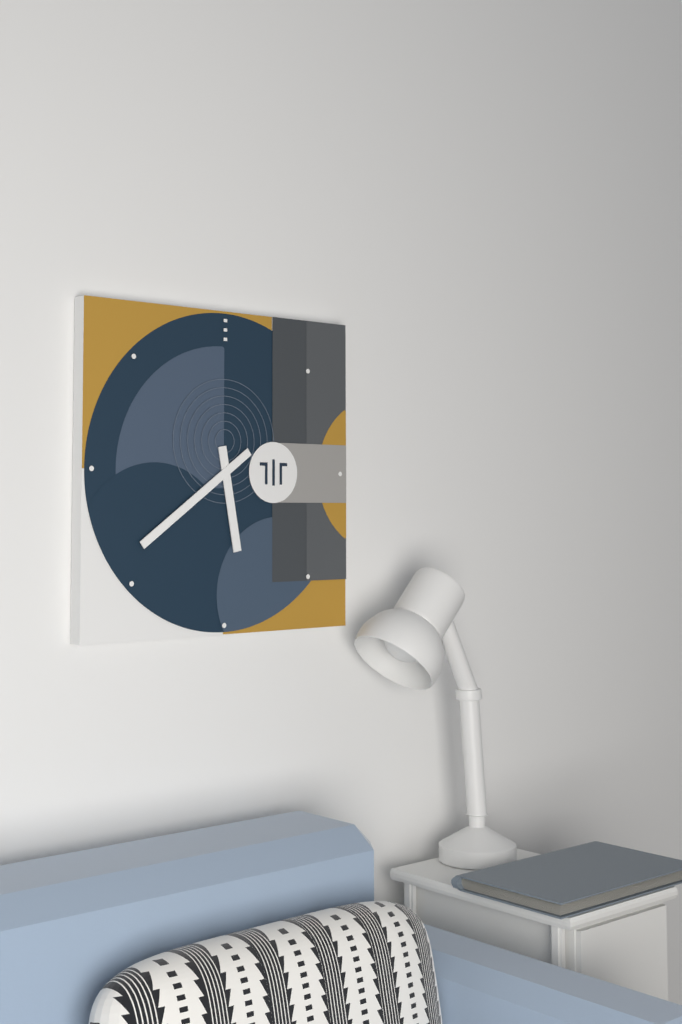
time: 5:39
